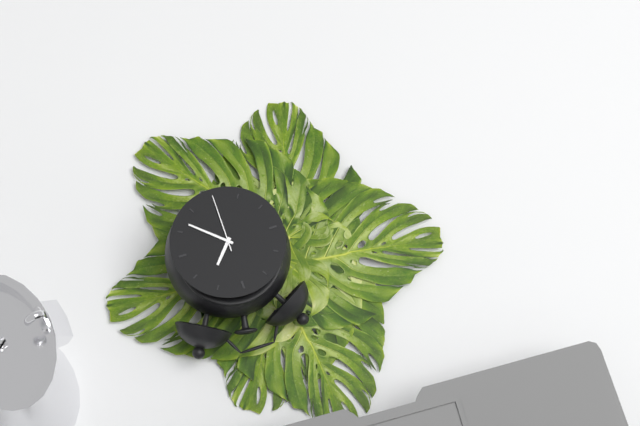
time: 1:22:30
